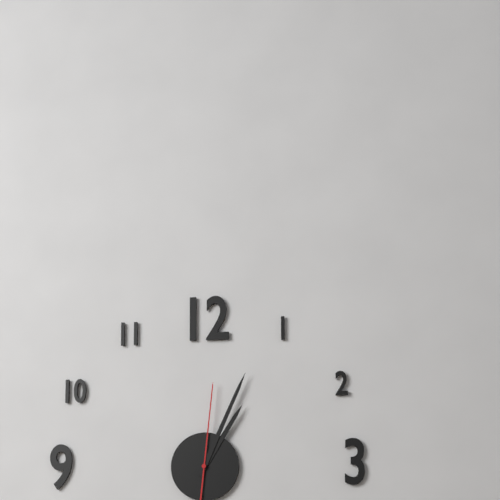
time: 1:04:01
